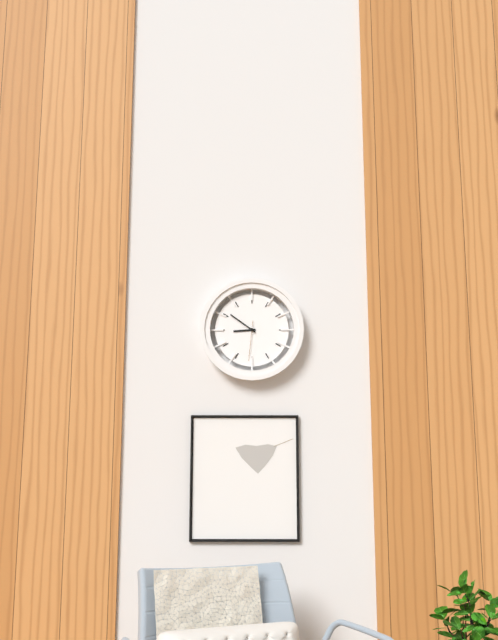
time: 8:51
